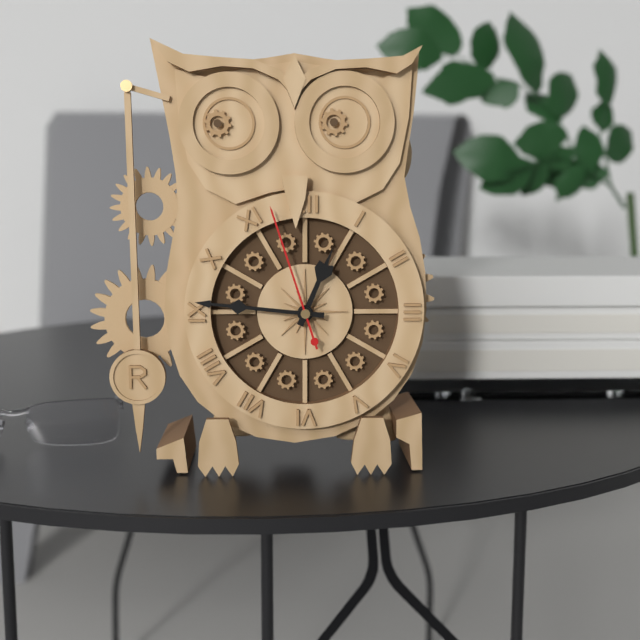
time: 12:46:57
